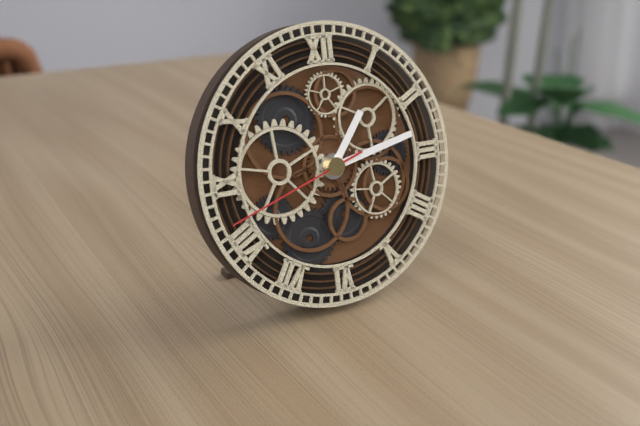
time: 1:13:42
